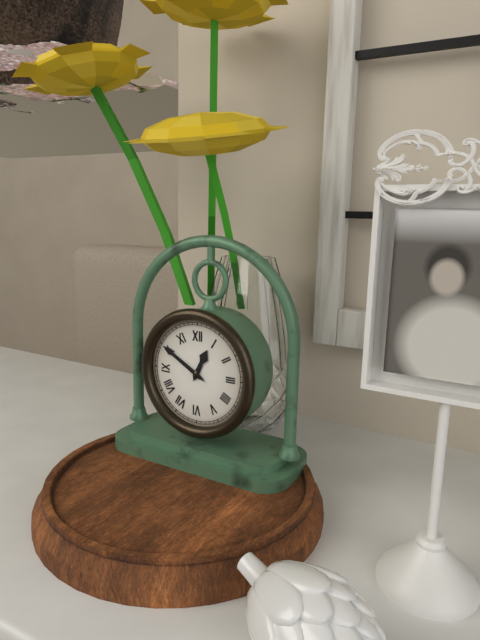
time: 12:50
